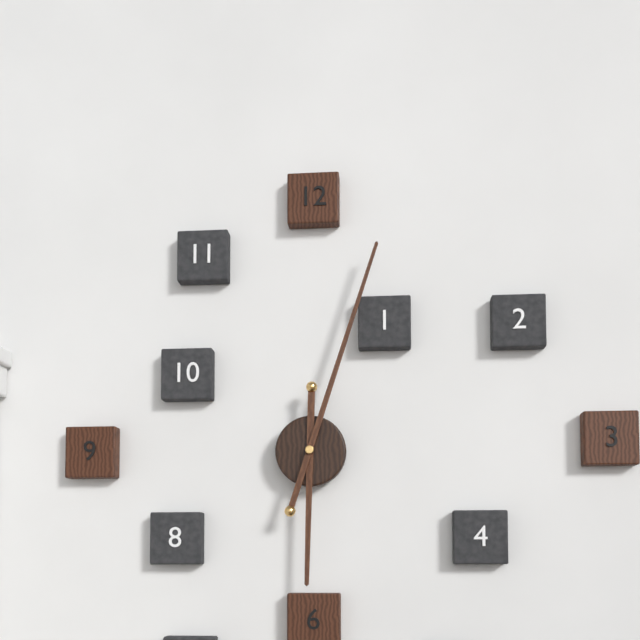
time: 6:03
